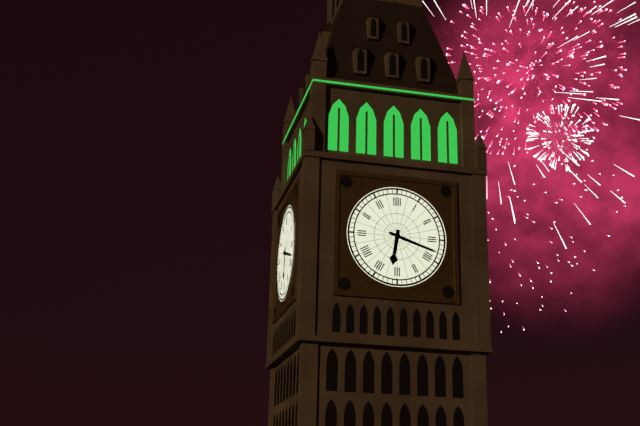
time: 6:18
